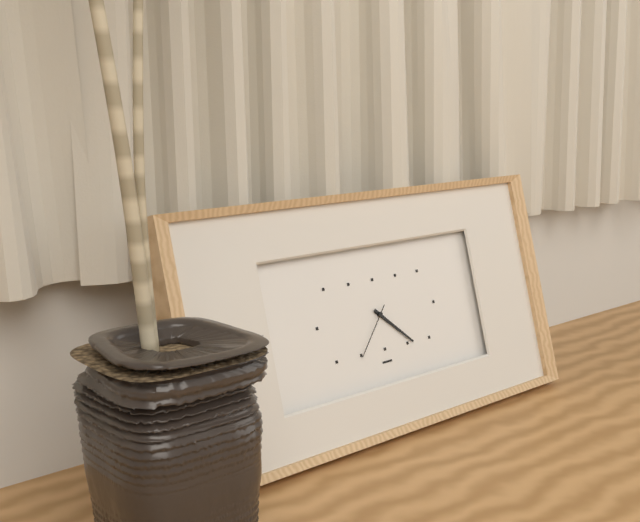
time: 4:22:37
